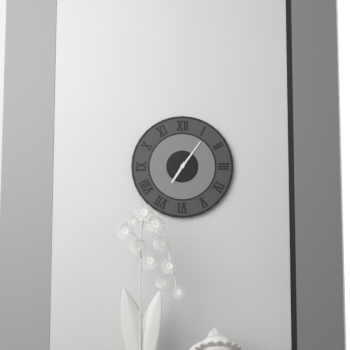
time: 7:06
